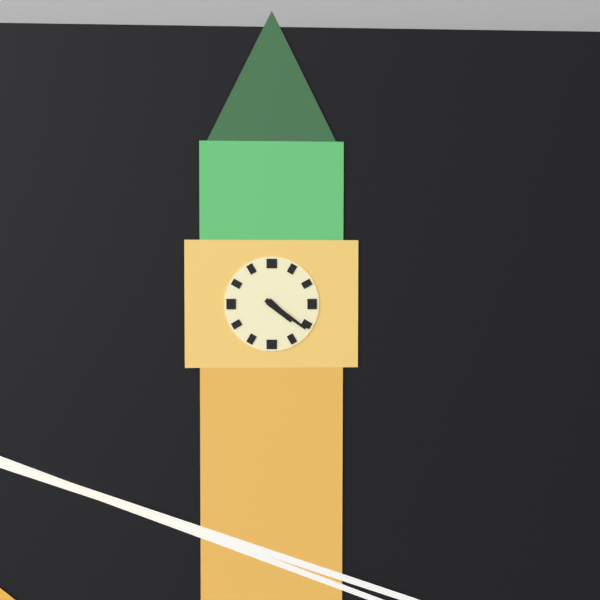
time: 4:21
